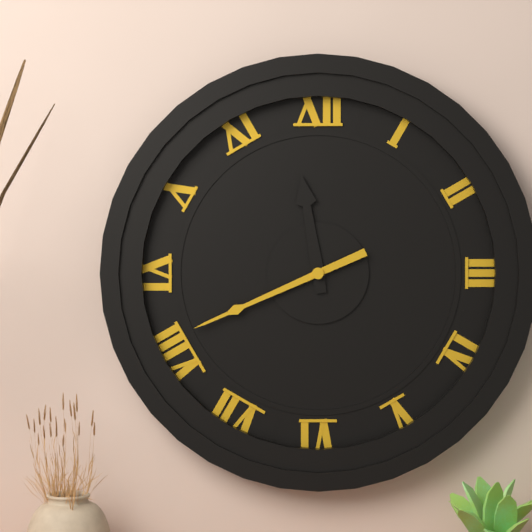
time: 11:41
